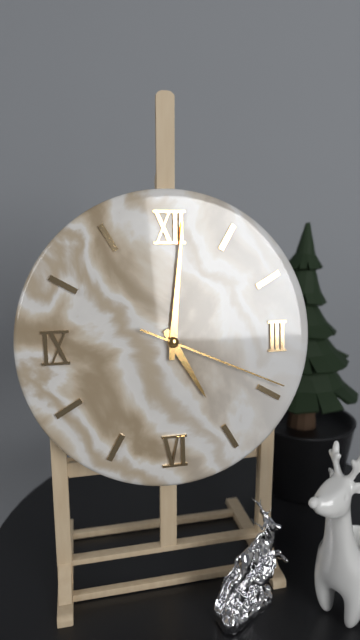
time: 5:01:19
